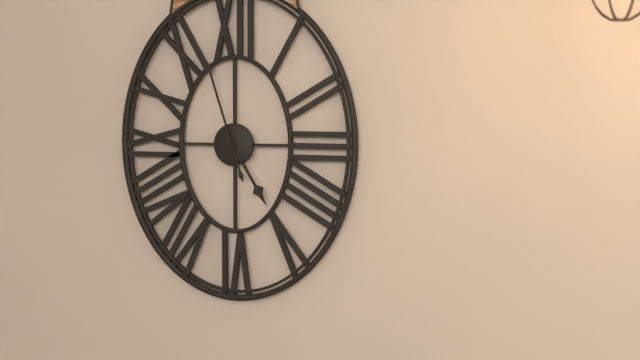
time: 4:57
